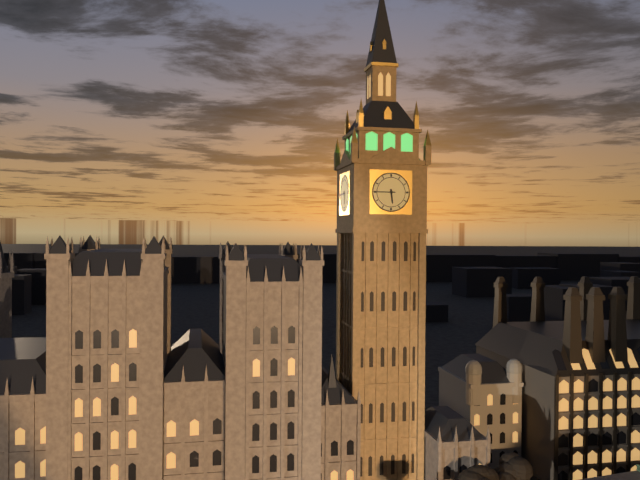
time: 5:45
